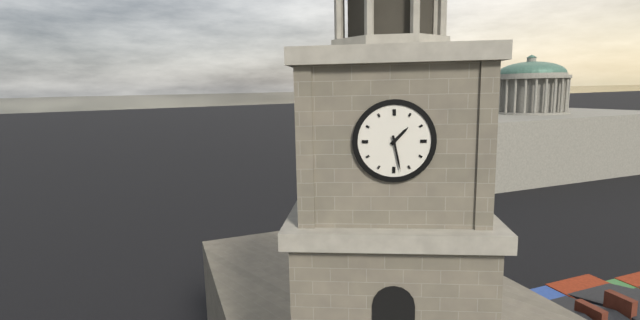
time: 1:28
